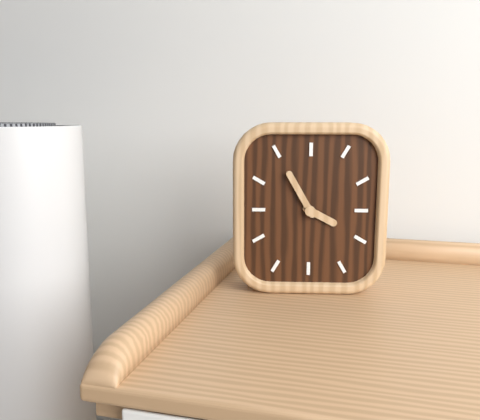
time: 3:55
